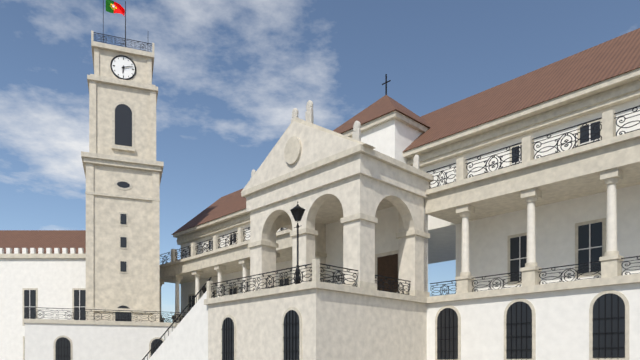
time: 6:12
